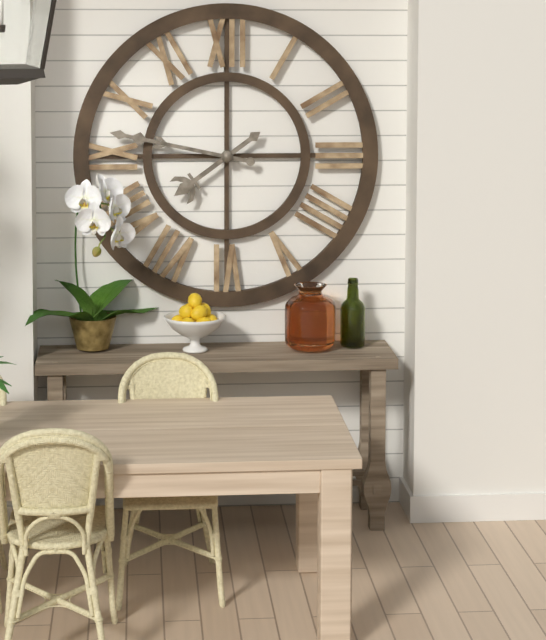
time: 7:47
